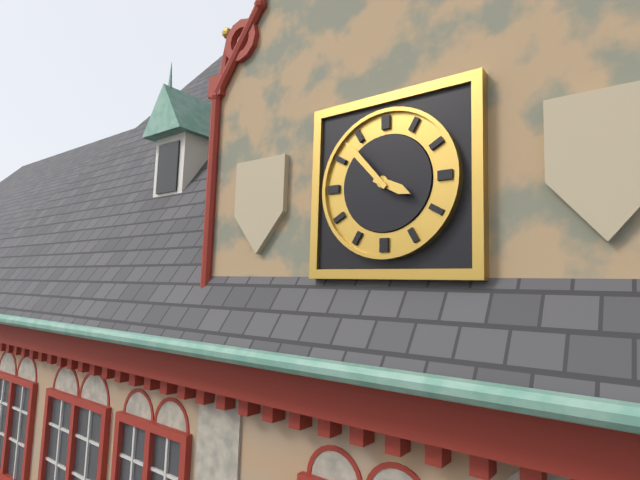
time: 3:53
